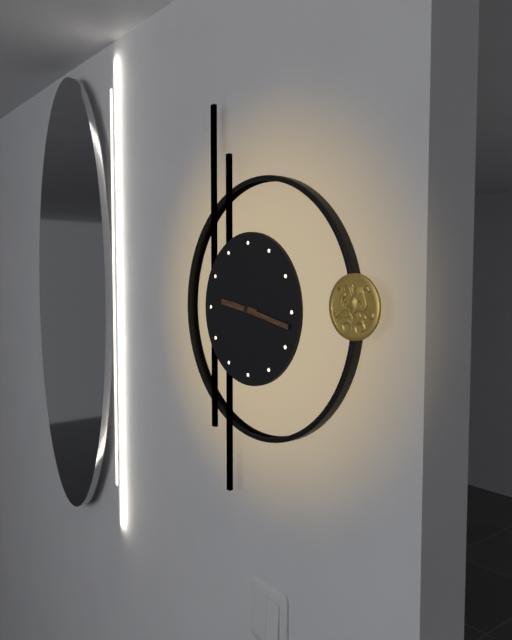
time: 9:17
